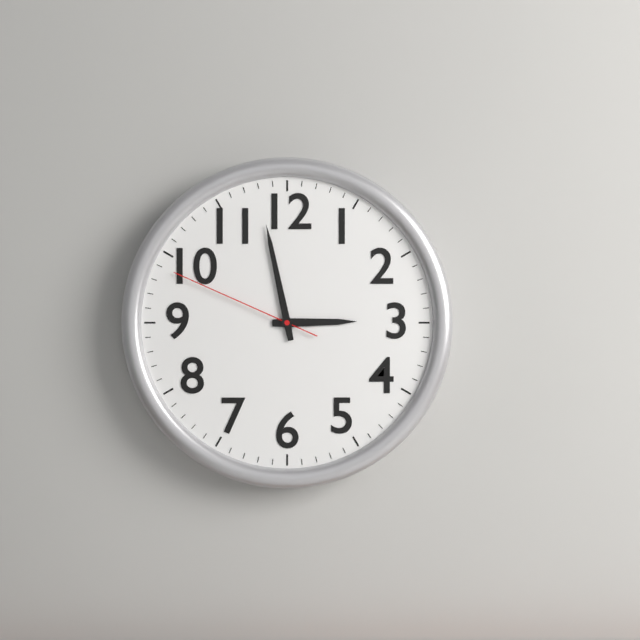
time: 2:58:49
